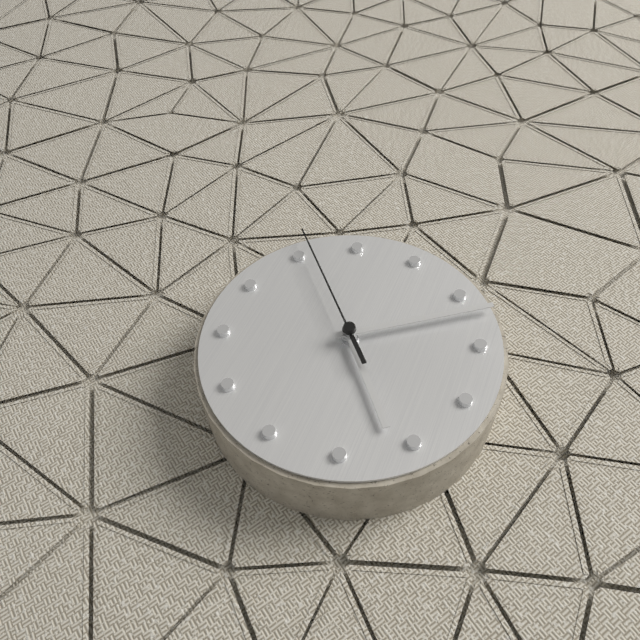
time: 6:17:01
